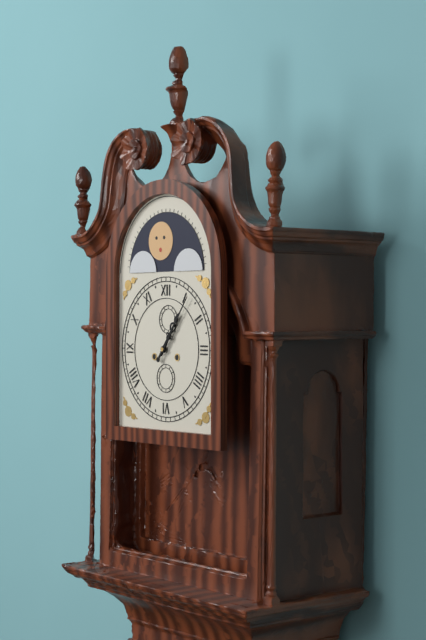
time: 1:06
